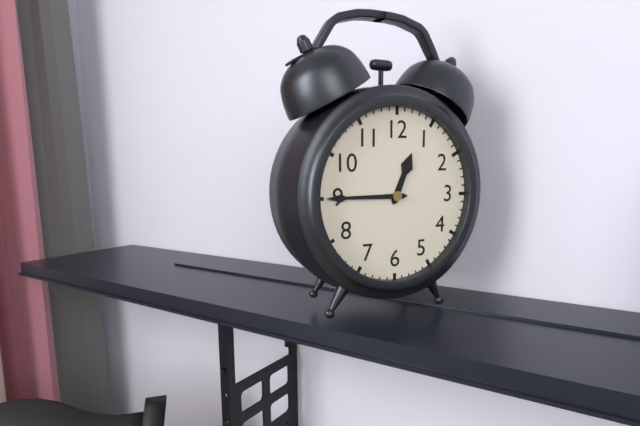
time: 12:45
